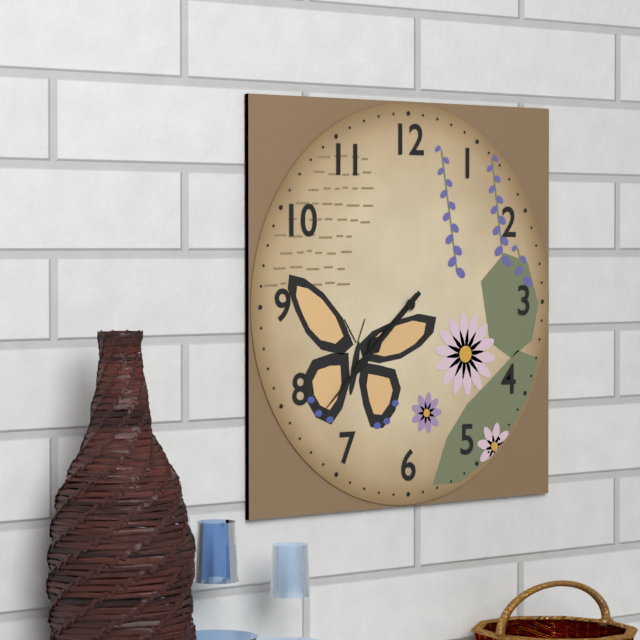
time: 7:38
